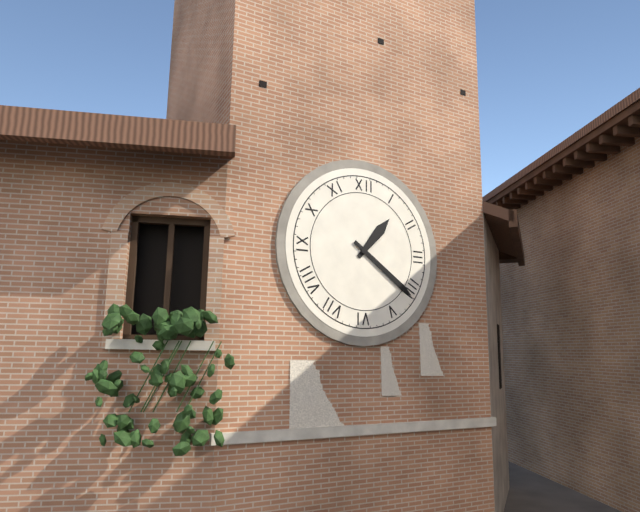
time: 1:21
